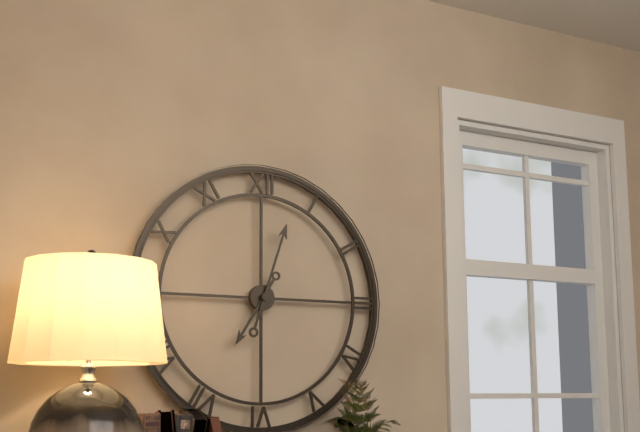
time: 7:03
